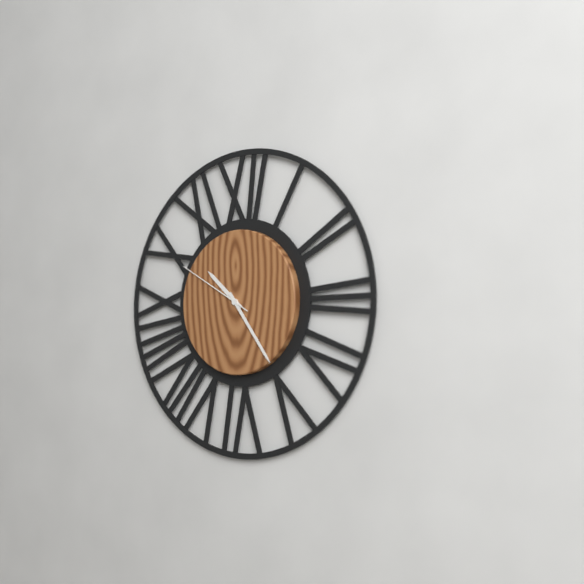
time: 10:24:50
